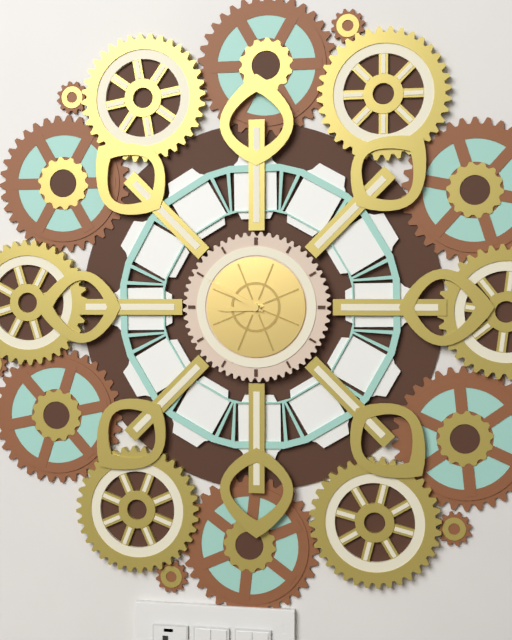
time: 8:50
